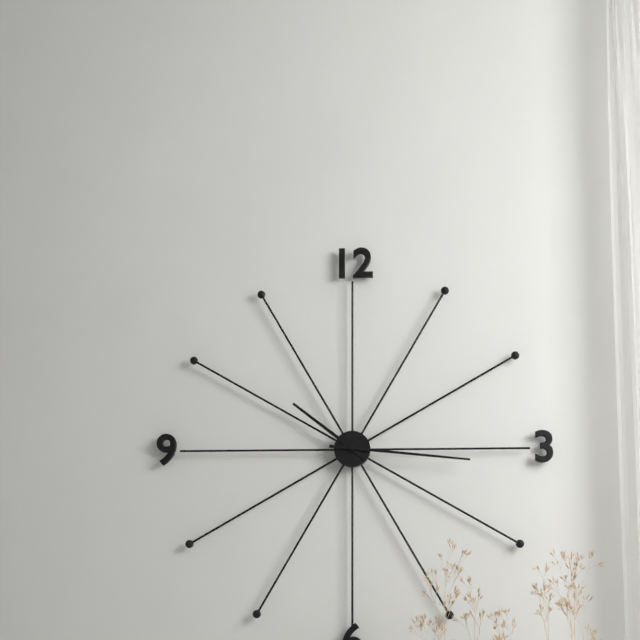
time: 10:16
